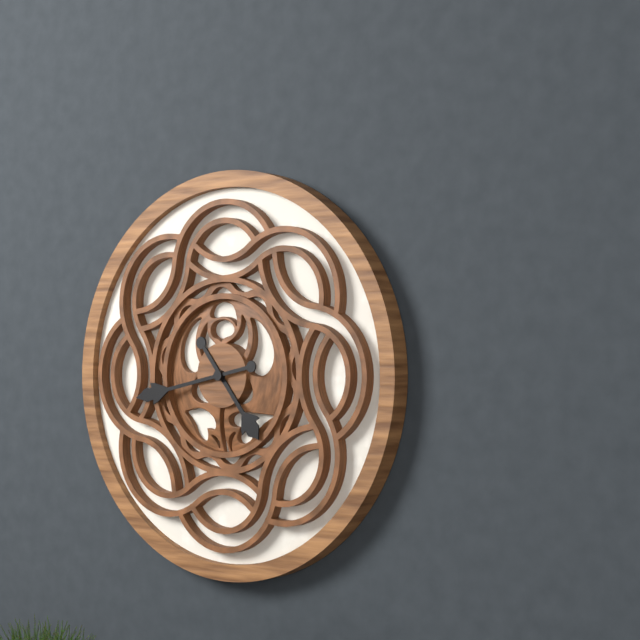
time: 4:43
